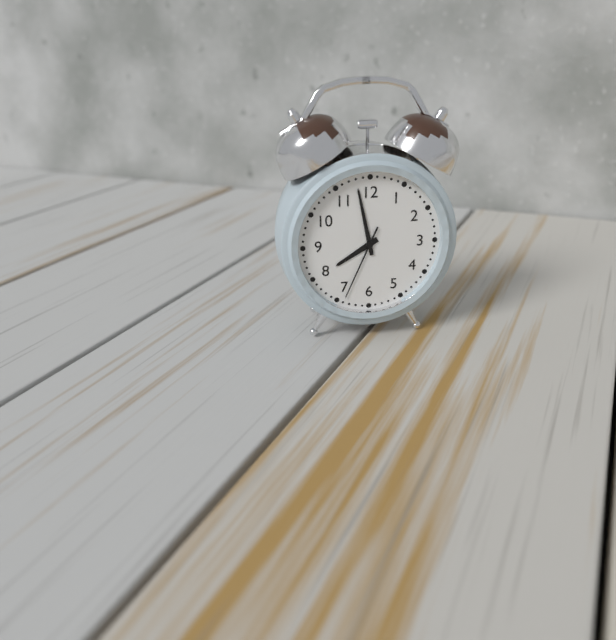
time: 7:58:34
